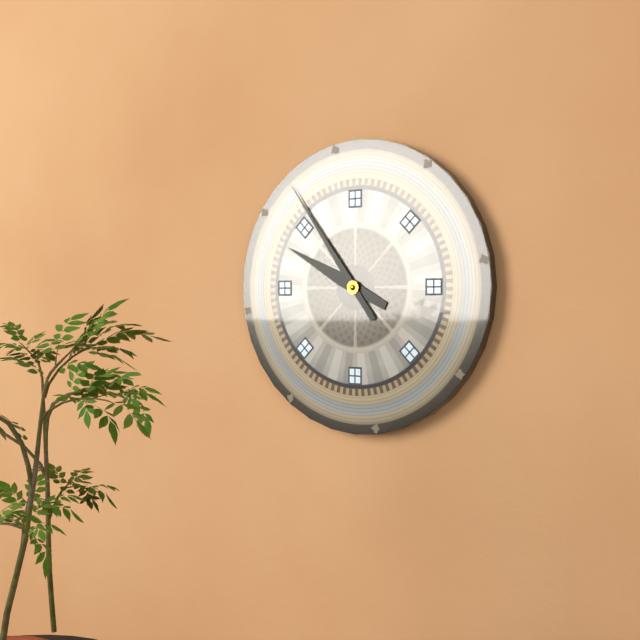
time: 9:54
